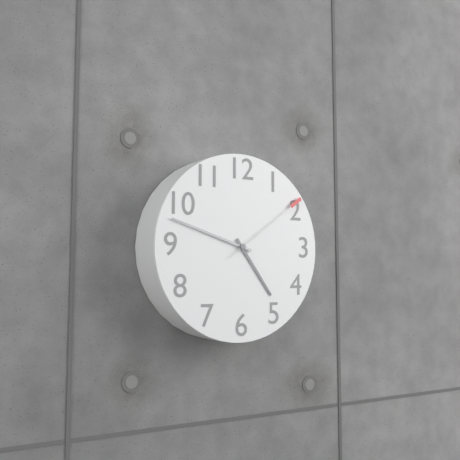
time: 4:48:09
